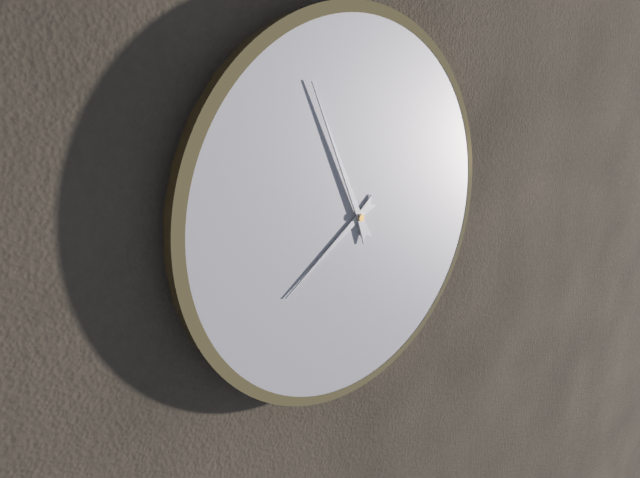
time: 7:56
